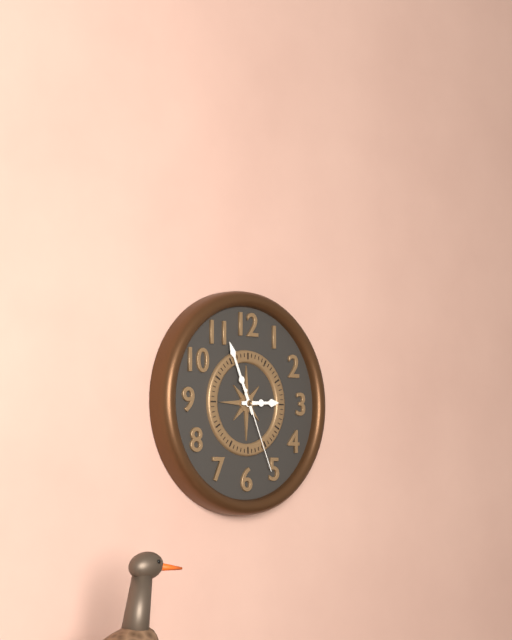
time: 2:56:26
